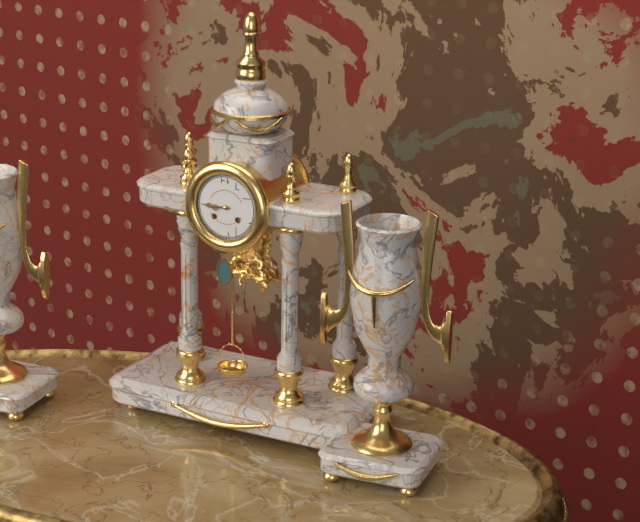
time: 8:45
